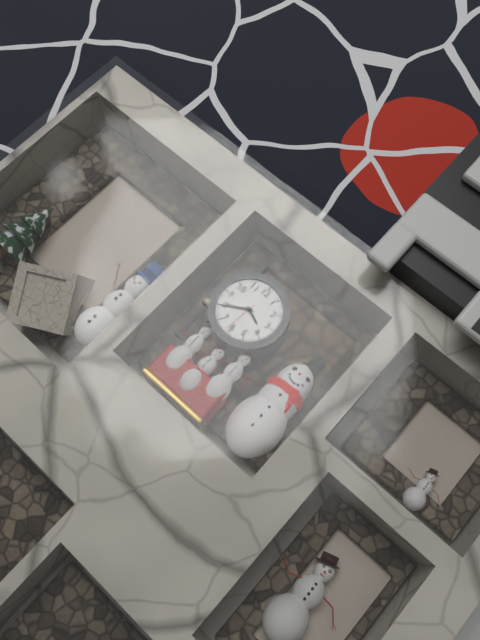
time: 3:40
